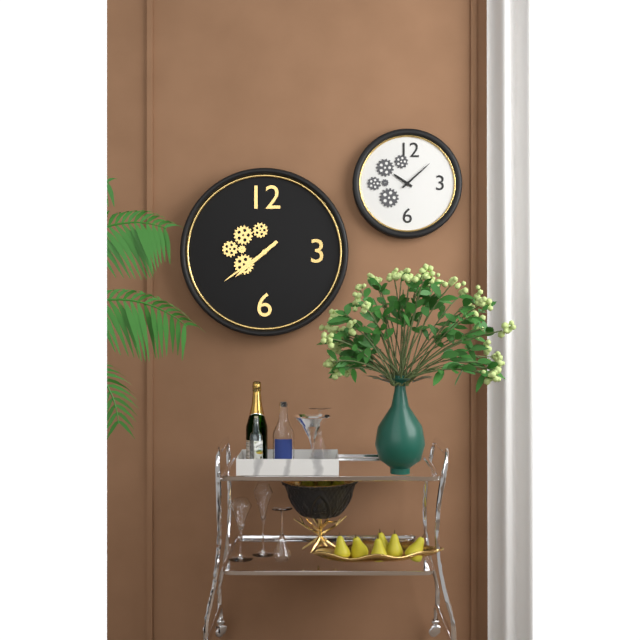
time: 7:39
